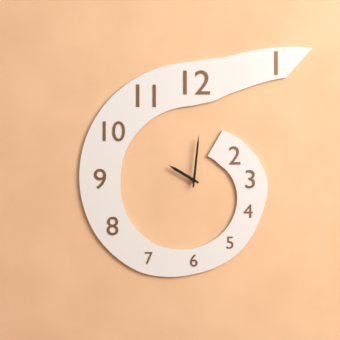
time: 10:01
